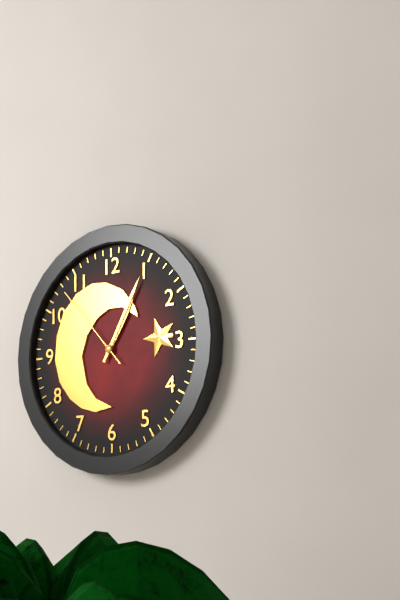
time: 1:05:53
